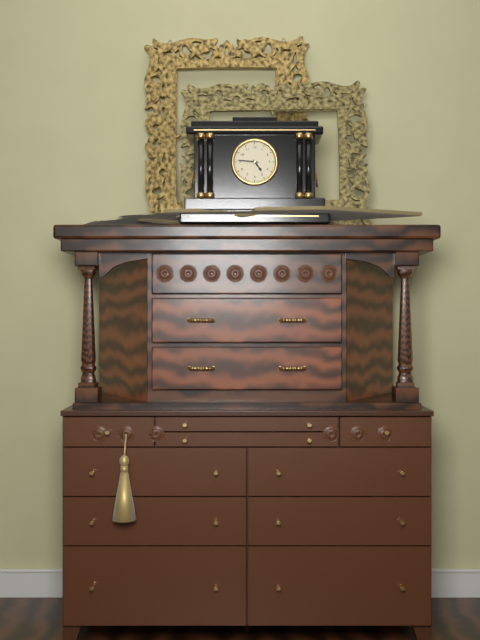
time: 4:46
